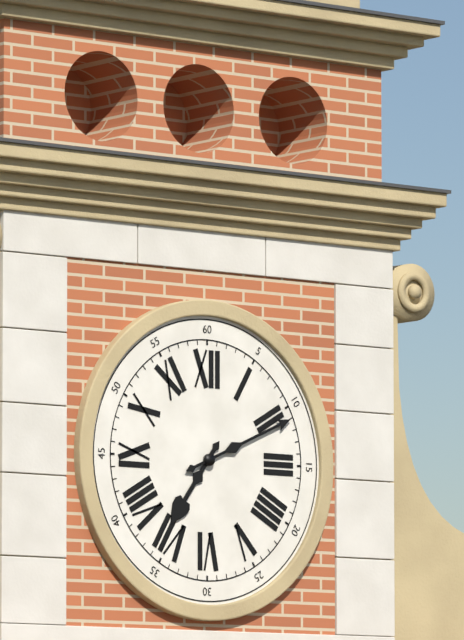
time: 7:11
